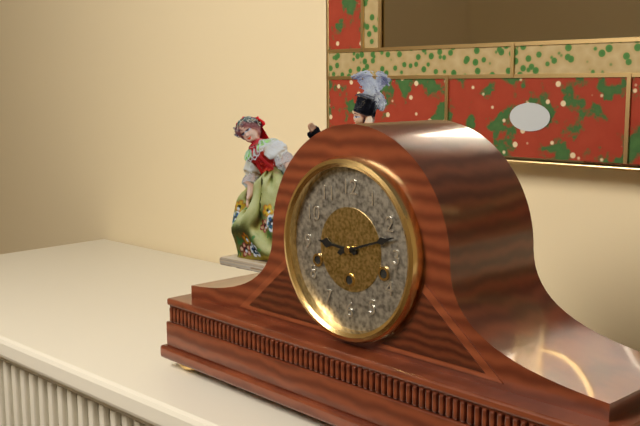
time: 9:12
